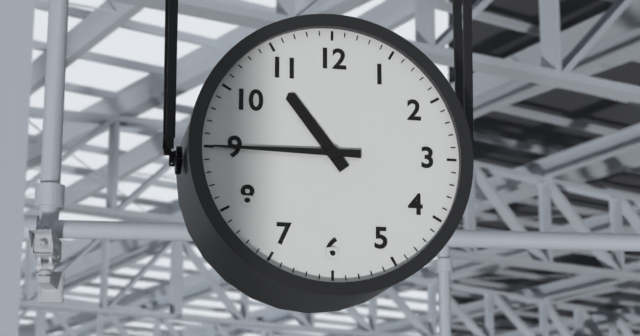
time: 10:45
